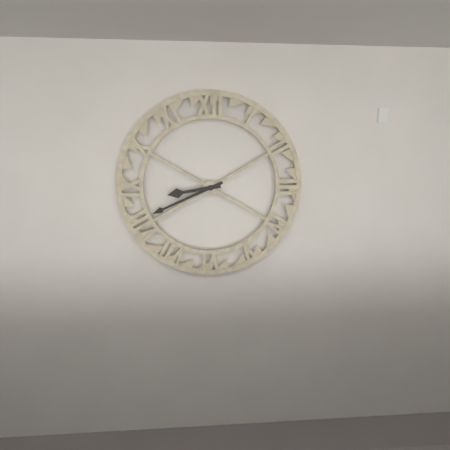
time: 8:41
